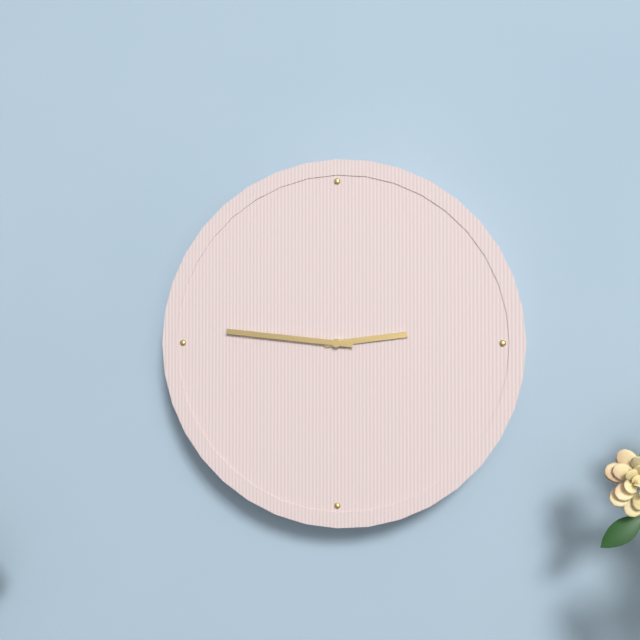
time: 2:46
